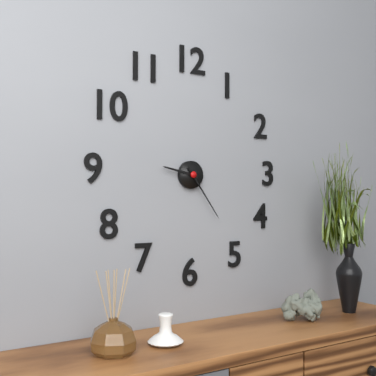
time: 9:24
